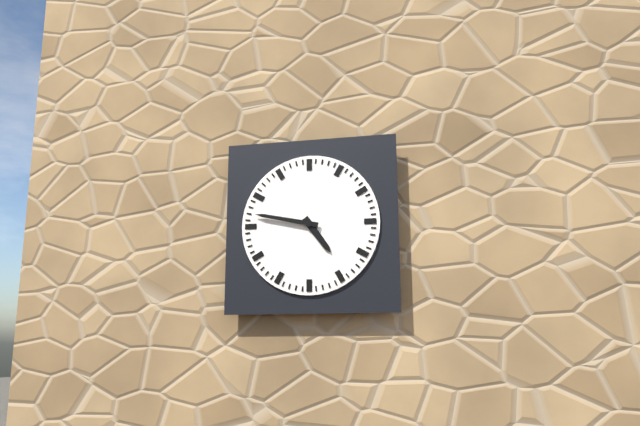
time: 4:47
